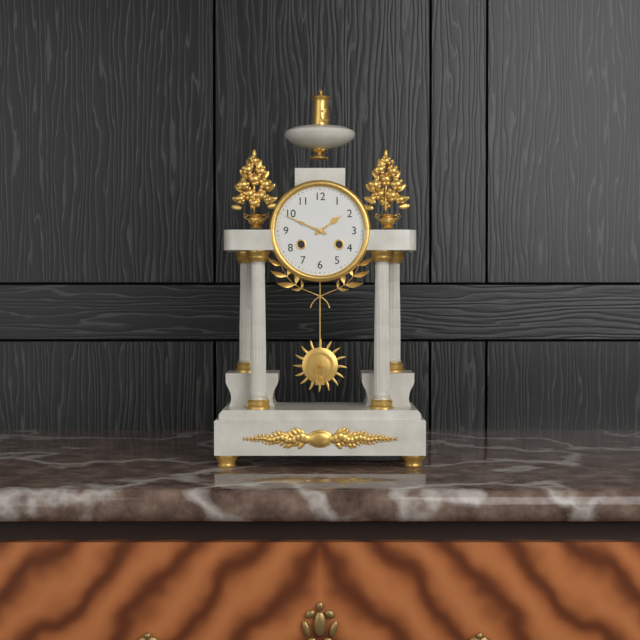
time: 1:49
